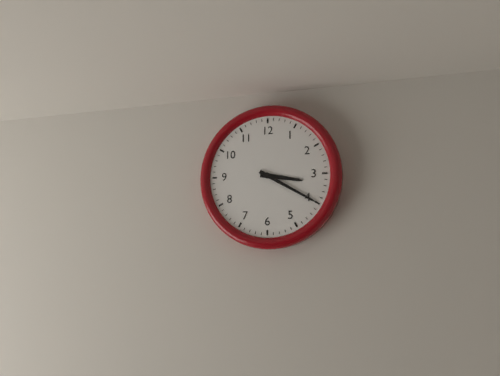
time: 3:20
